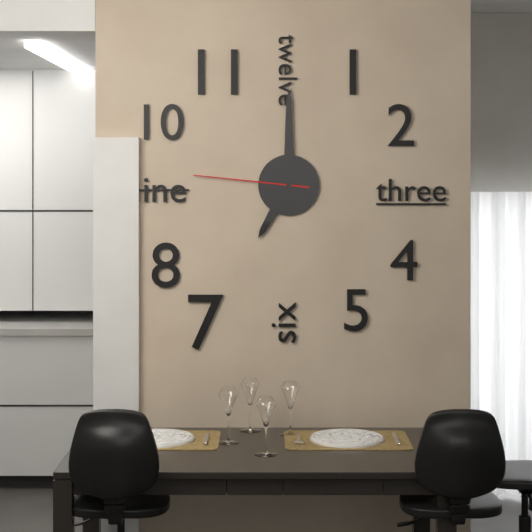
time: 7:00:46
